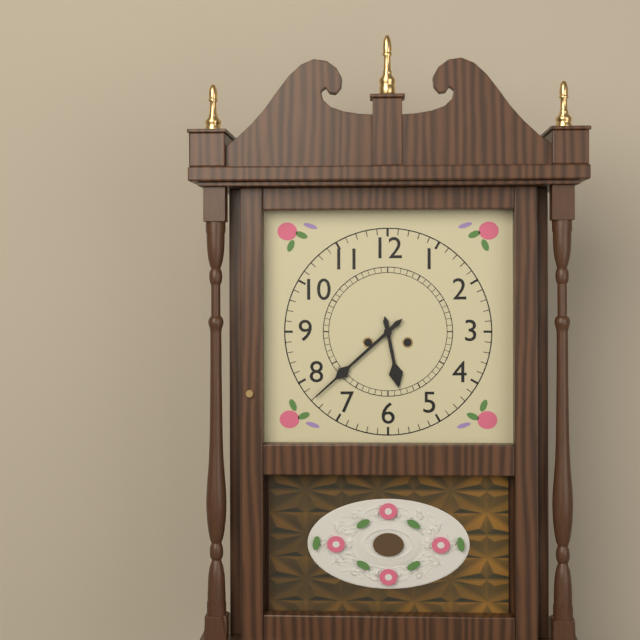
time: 5:38
